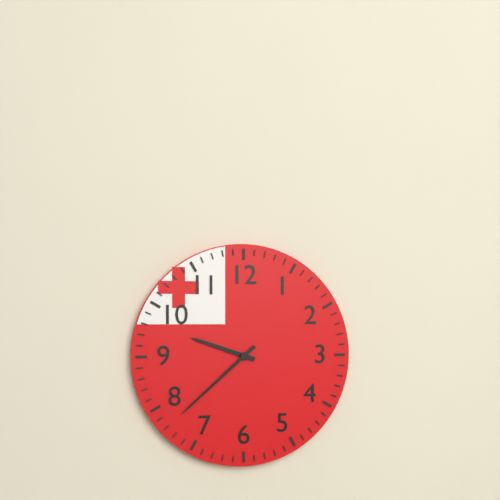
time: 9:38
